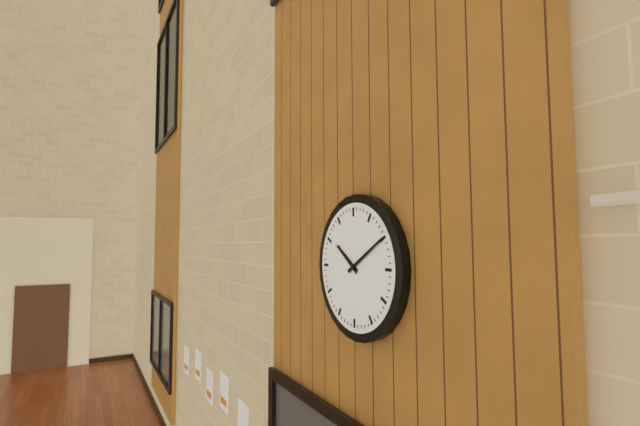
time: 10:10
